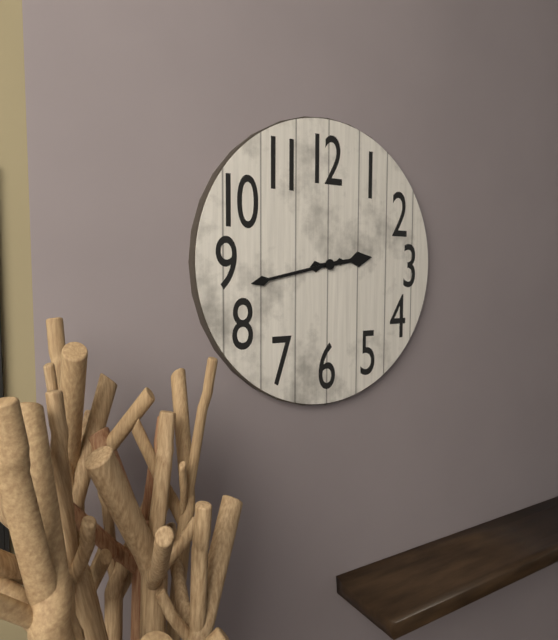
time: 2:43
